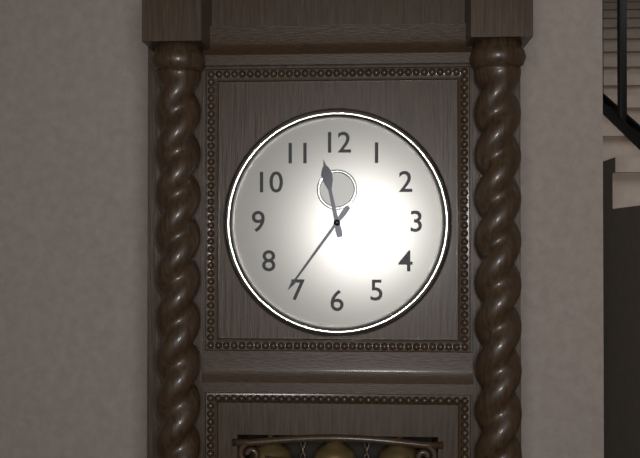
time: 11:36
